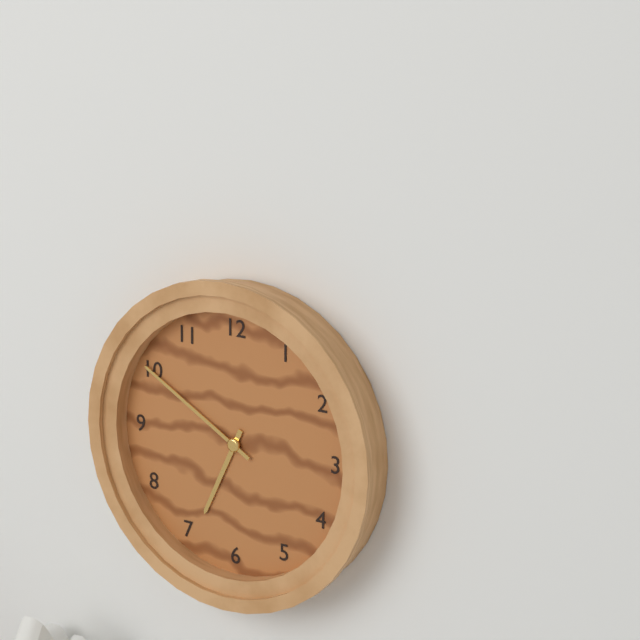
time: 6:50
